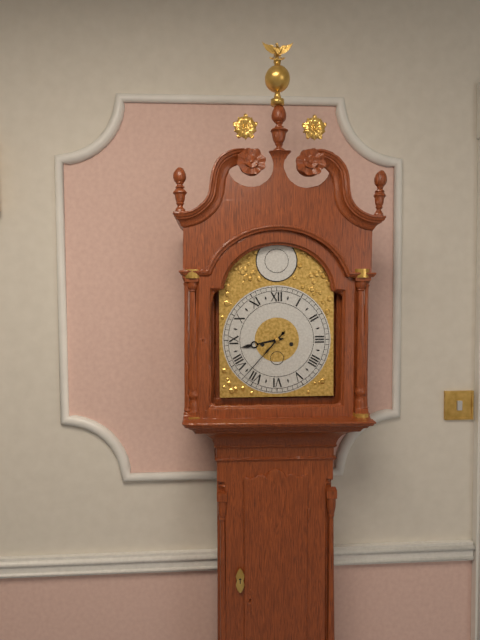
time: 8:37
